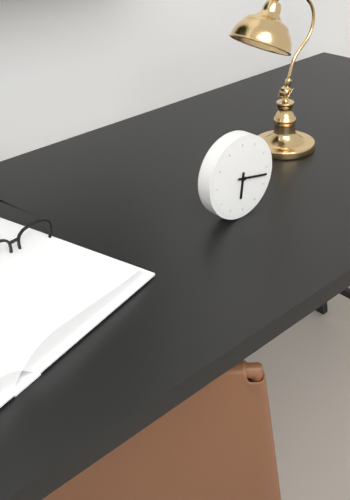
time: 6:17
